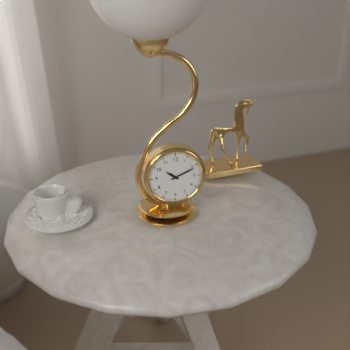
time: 10:11
